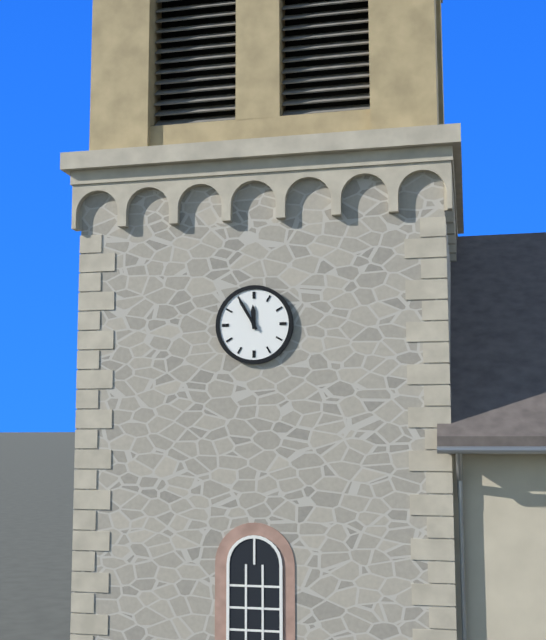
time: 11:55
